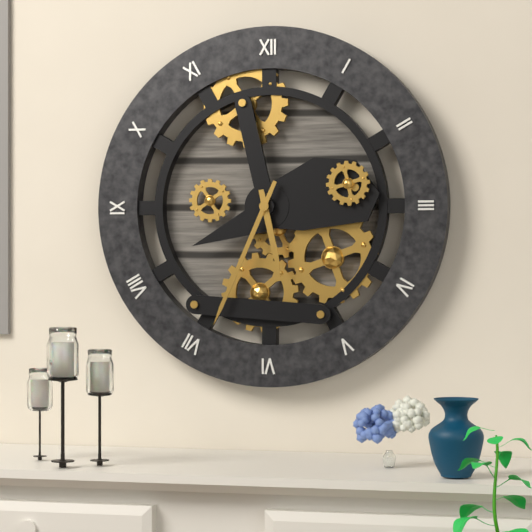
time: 5:34
